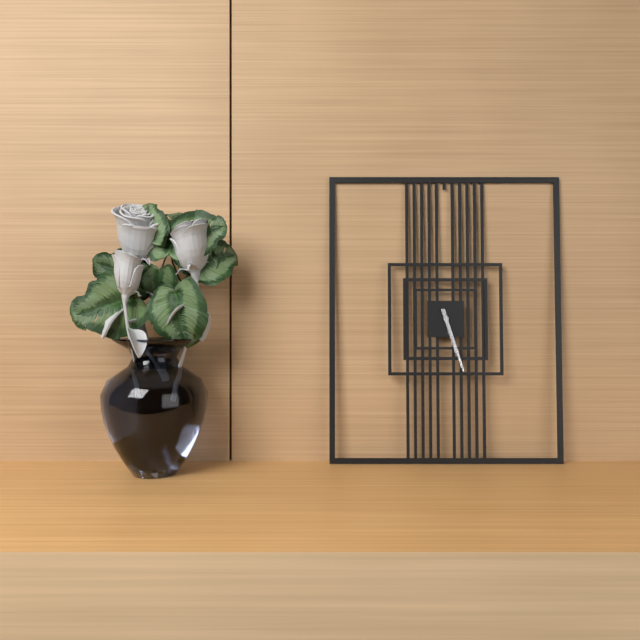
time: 5:27
